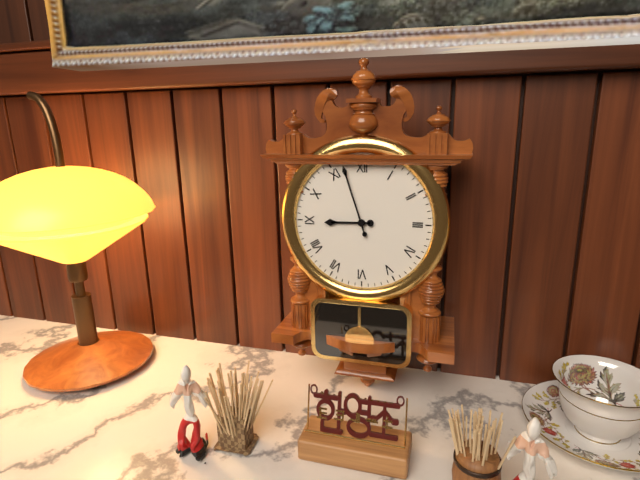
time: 8:57
